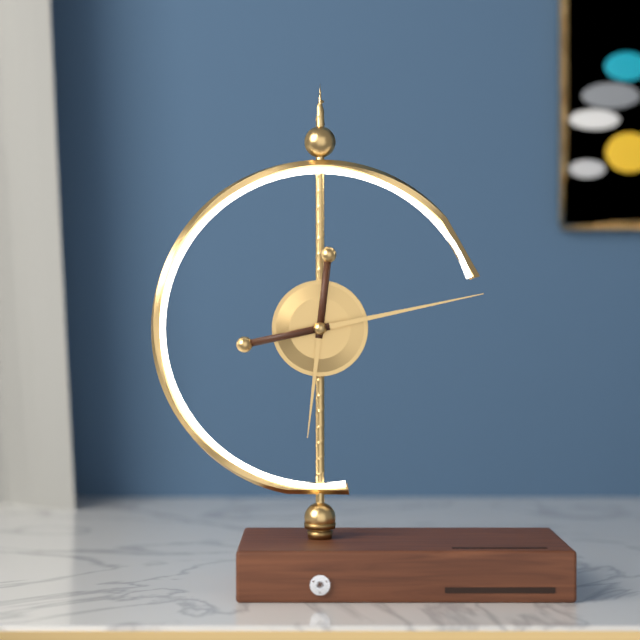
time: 6:13
